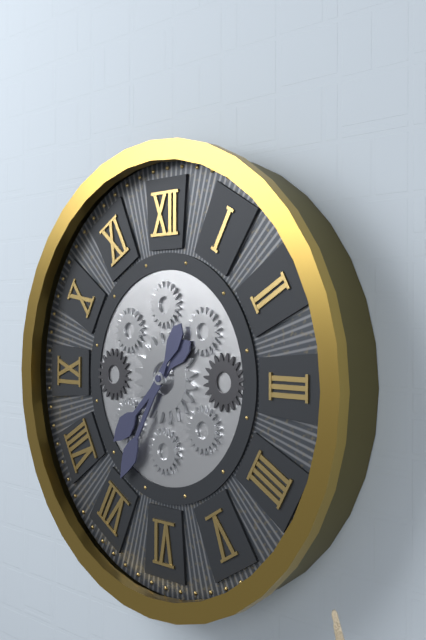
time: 7:35
